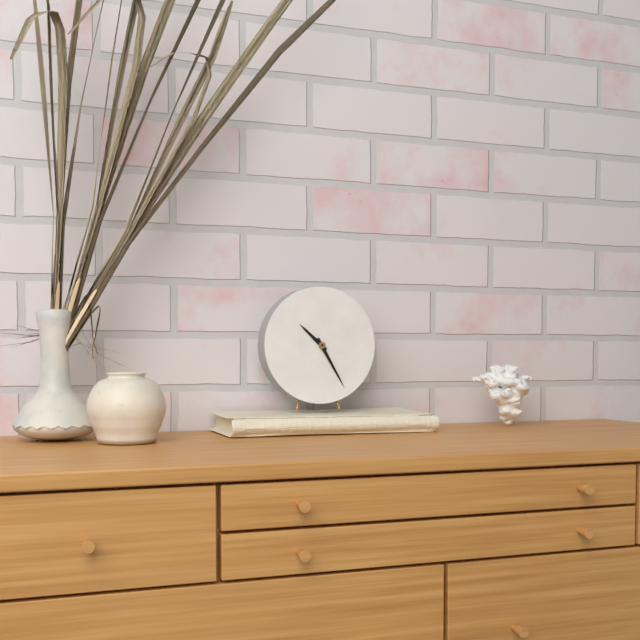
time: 10:25
